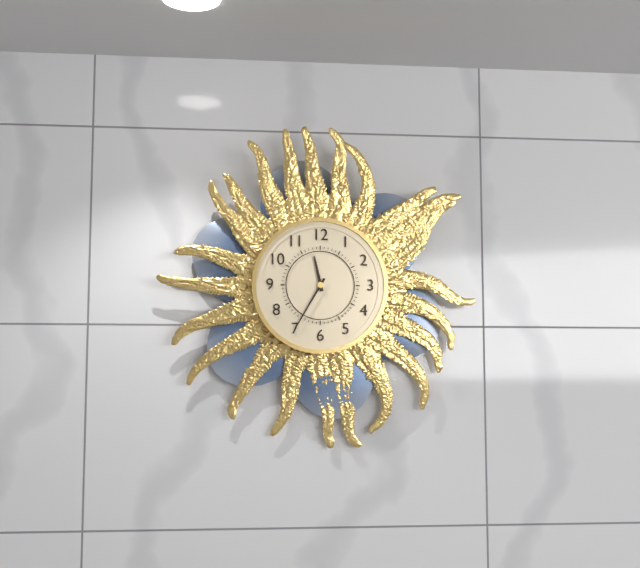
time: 11:35
